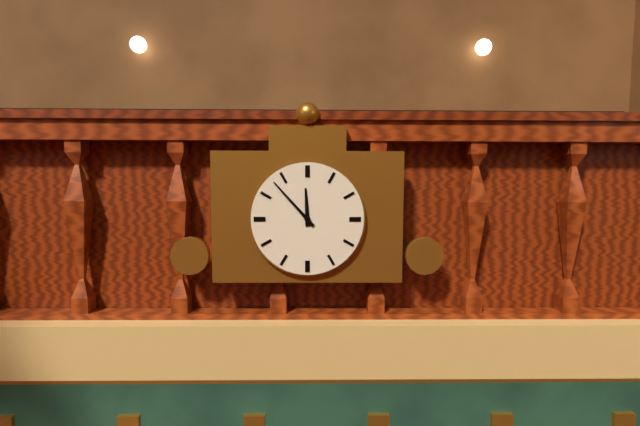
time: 11:53
